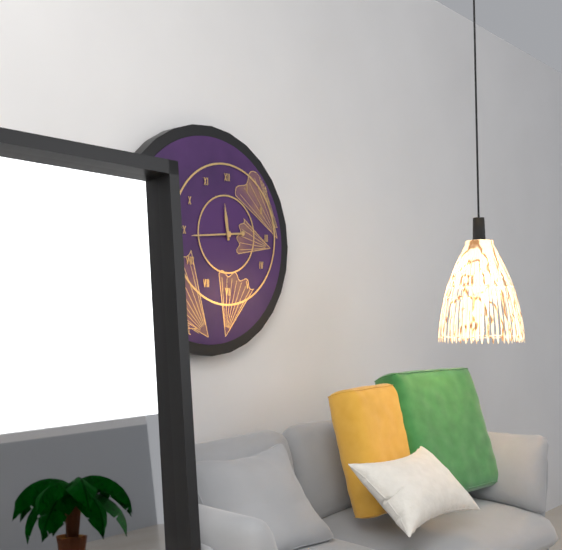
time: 11:44
